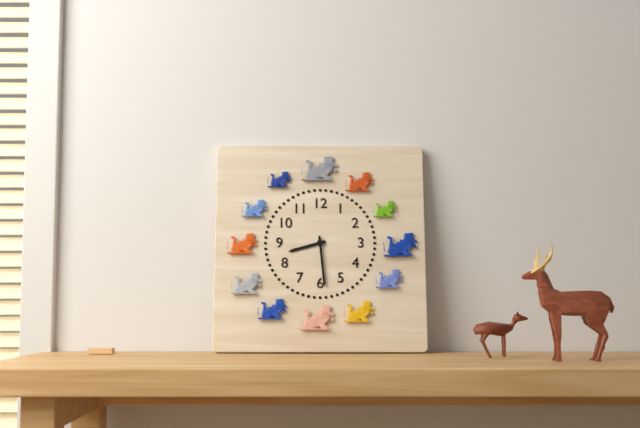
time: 8:29
